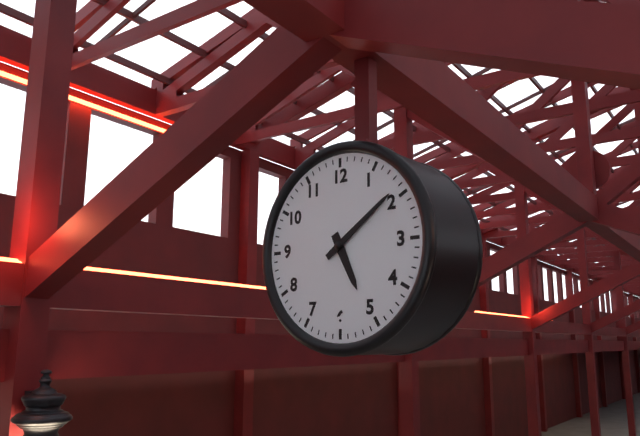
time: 5:09
